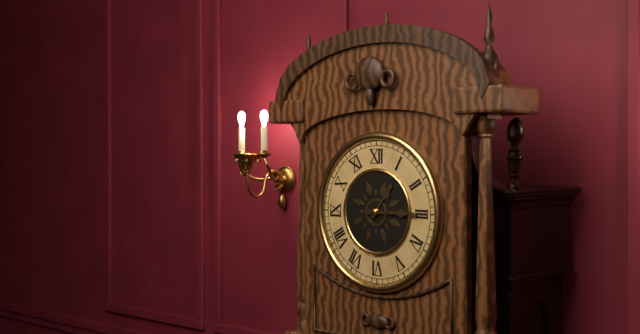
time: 1:15
